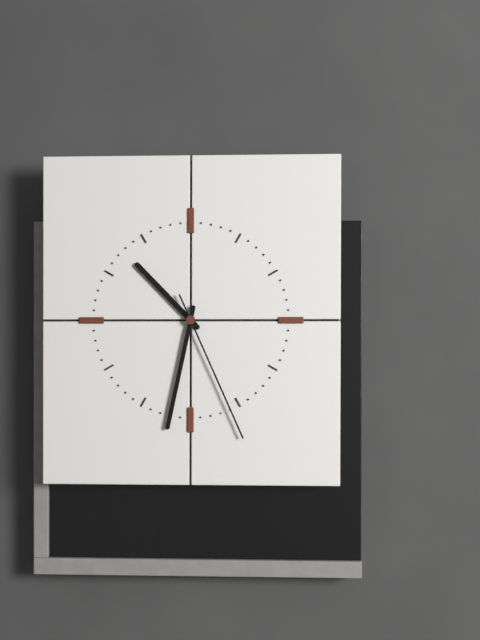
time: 10:32:26
